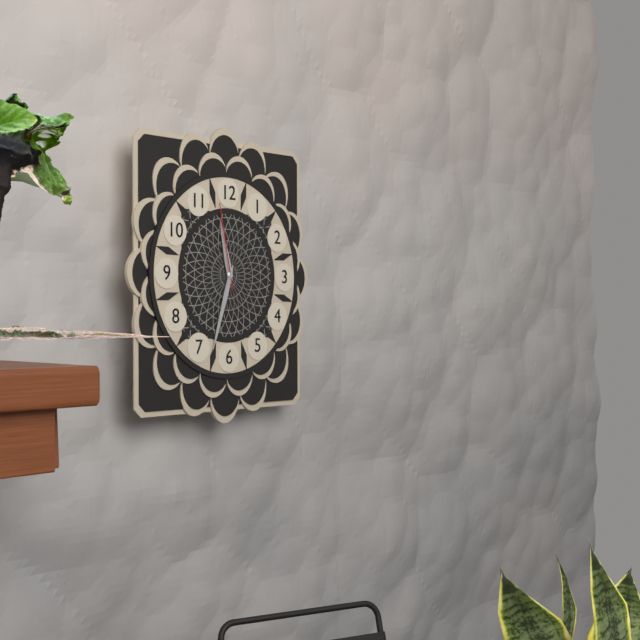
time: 11:33:58
